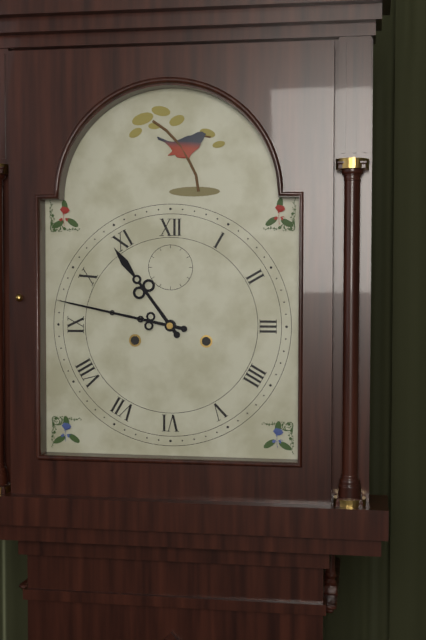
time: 10:47
